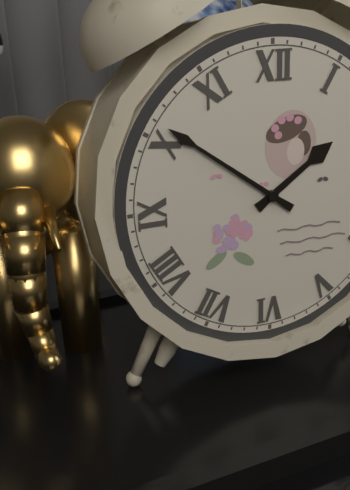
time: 1:51
